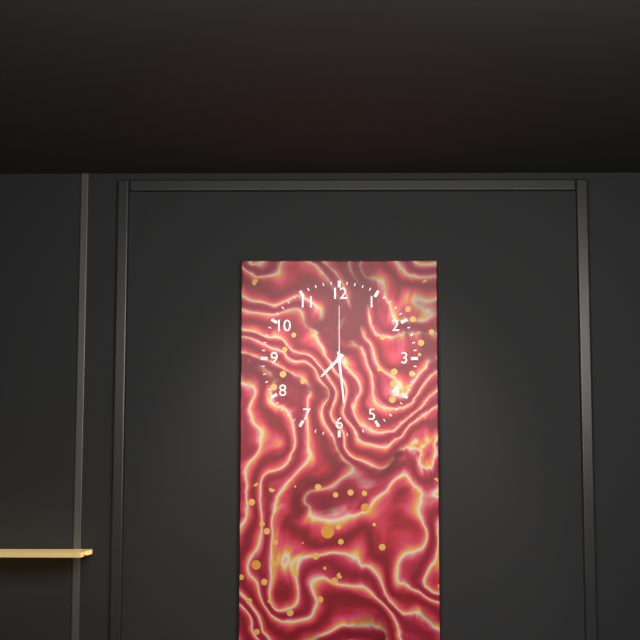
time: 7:29:00
